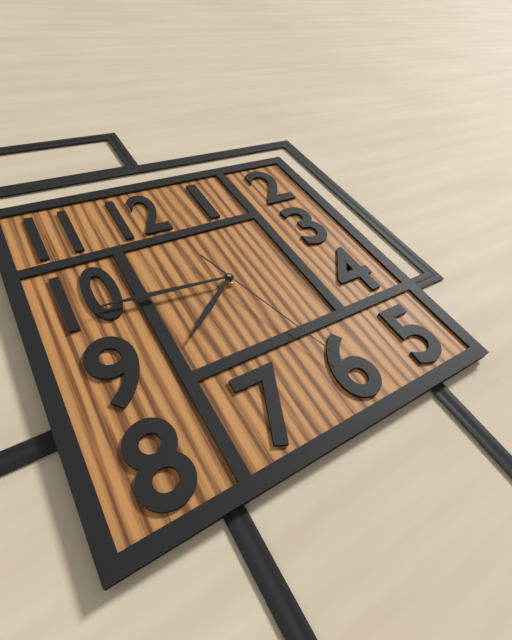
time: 7:46:27
